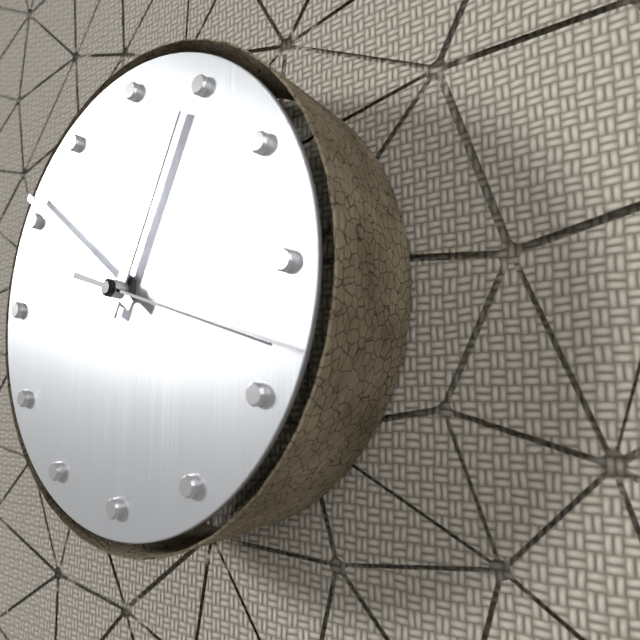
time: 12:51:18
